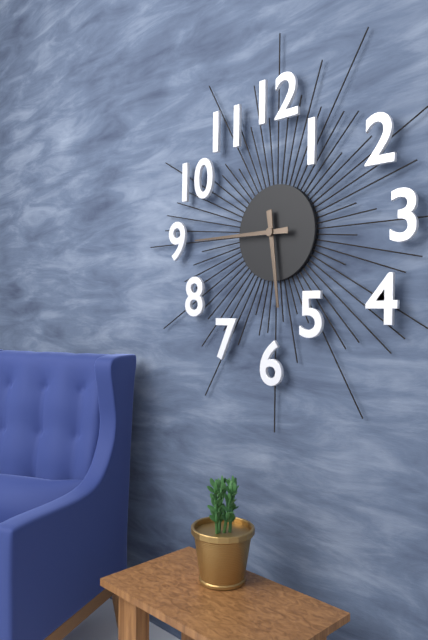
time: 5:45
